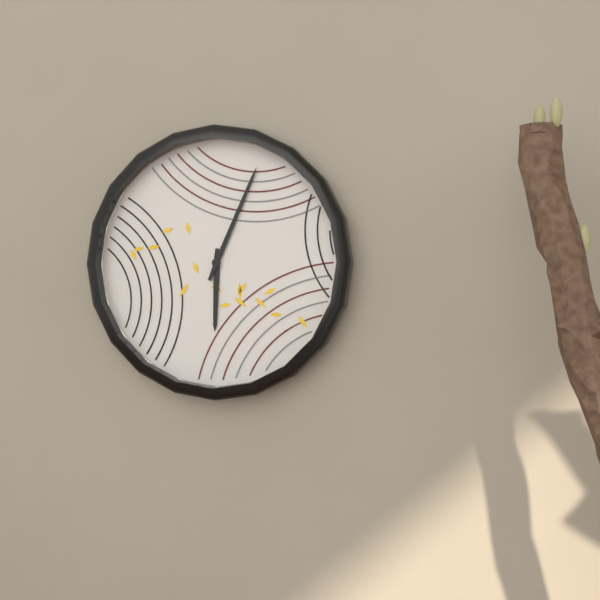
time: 6:04
